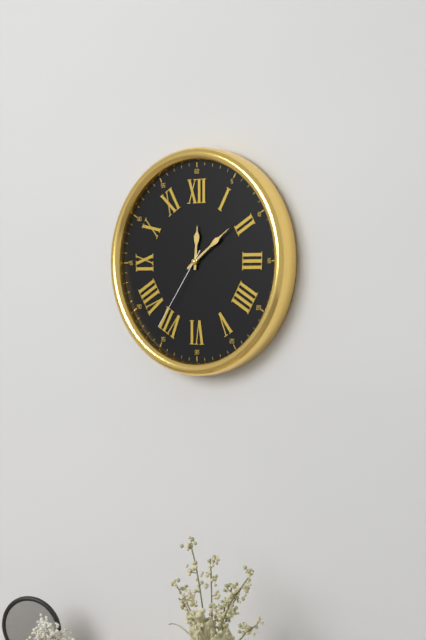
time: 12:09:36
